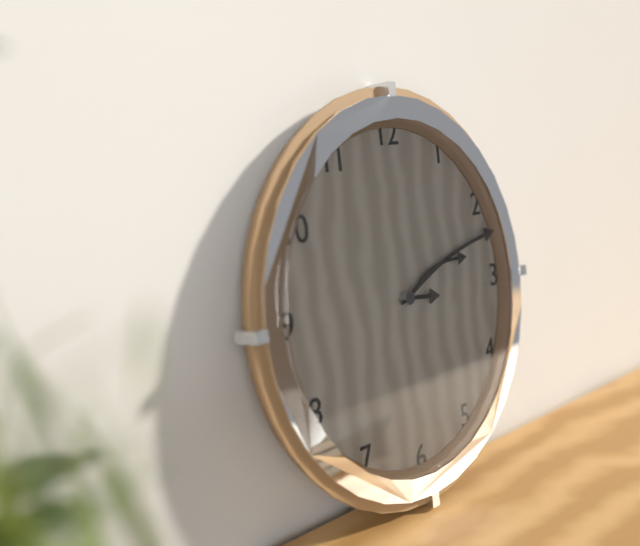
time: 3:12:12
